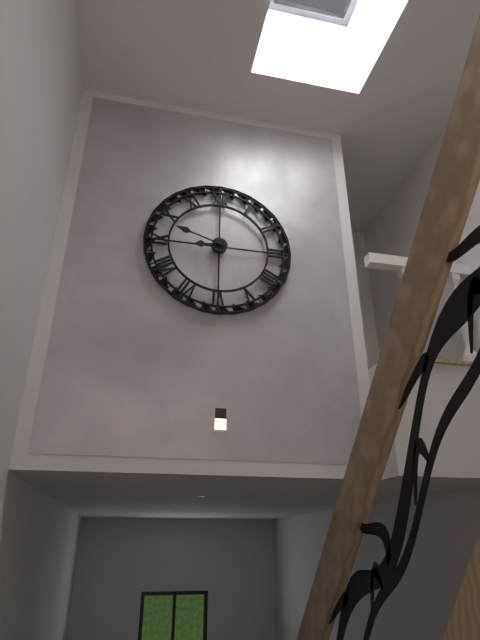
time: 8:48
